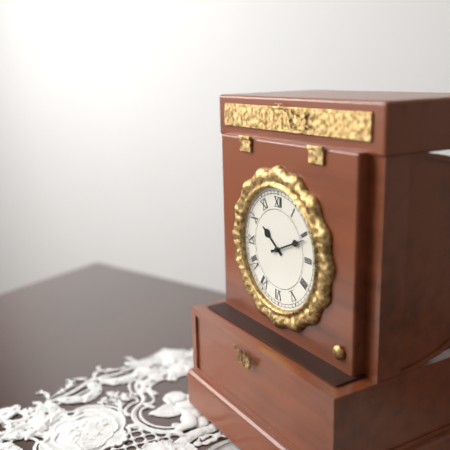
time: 10:11
